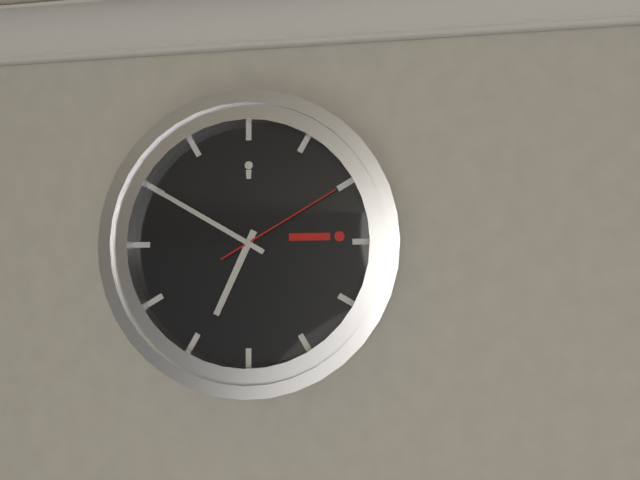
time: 6:50:10
